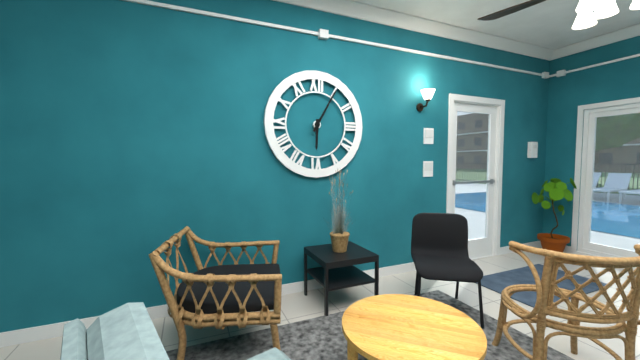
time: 6:05
